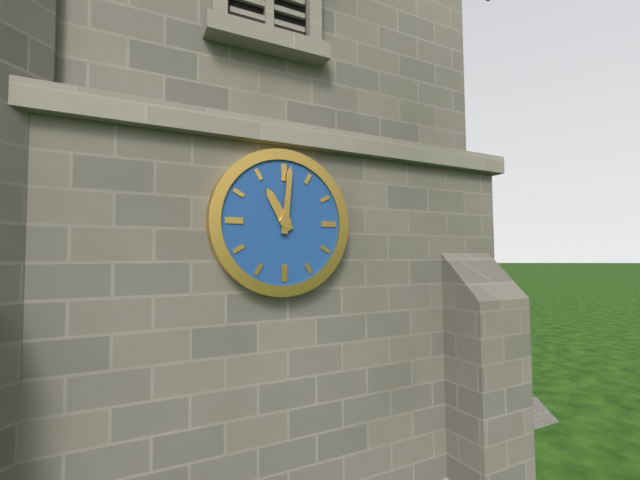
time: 11:01
